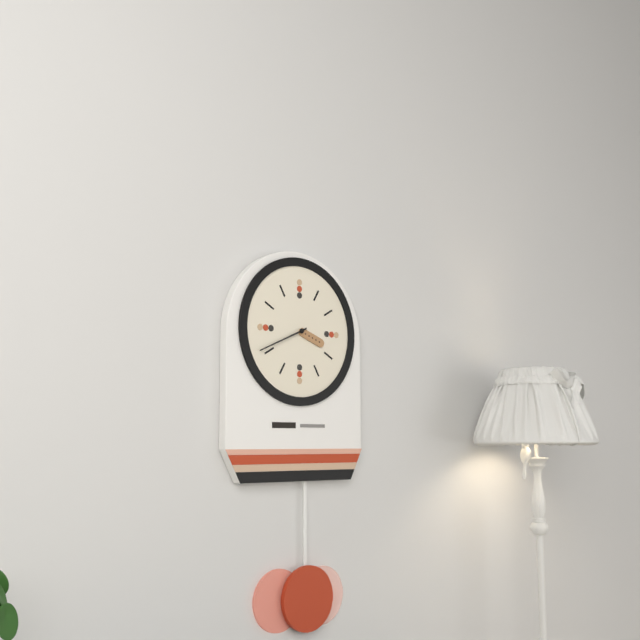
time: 3:41
